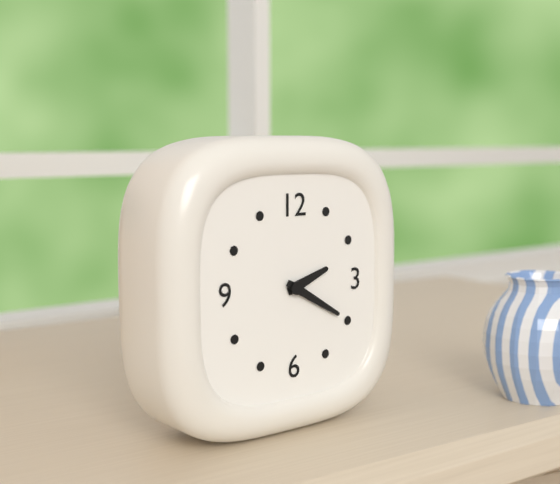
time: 2:20
